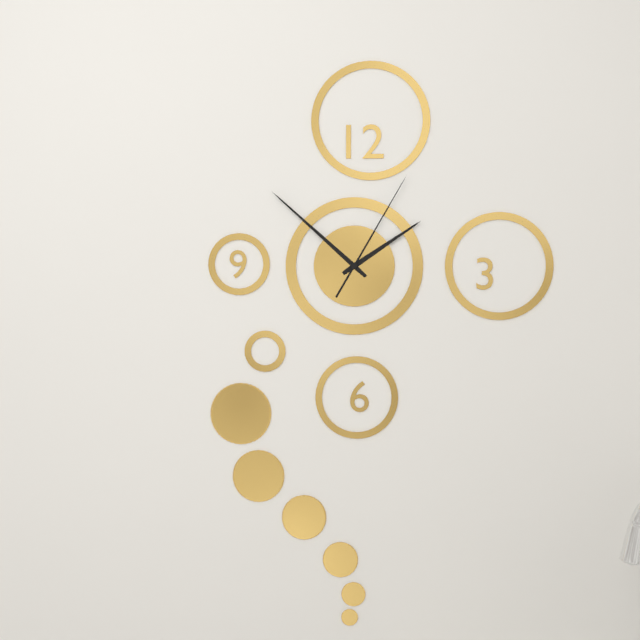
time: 1:52:05
